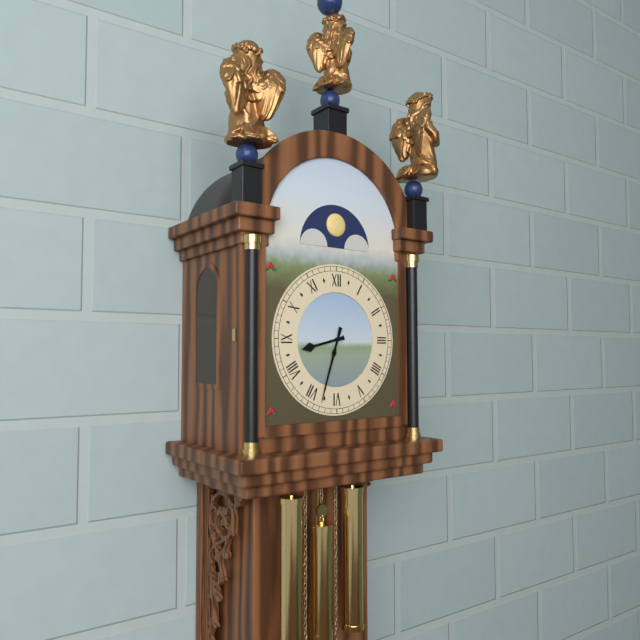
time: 8:33
